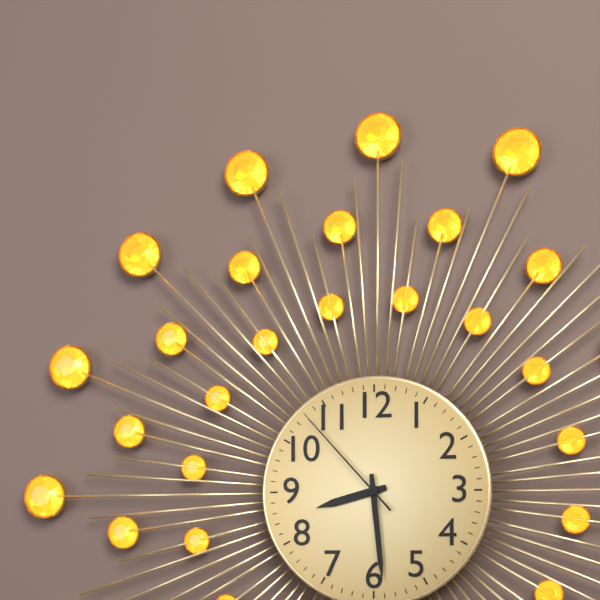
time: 8:29:53
